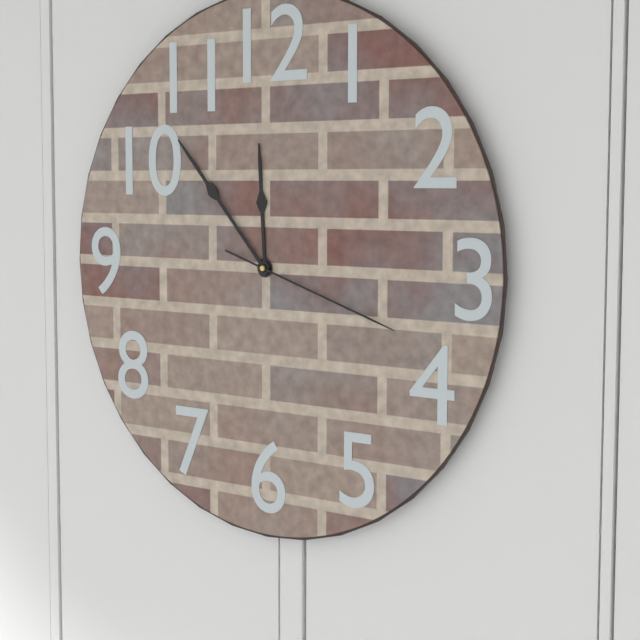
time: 11:53:18
